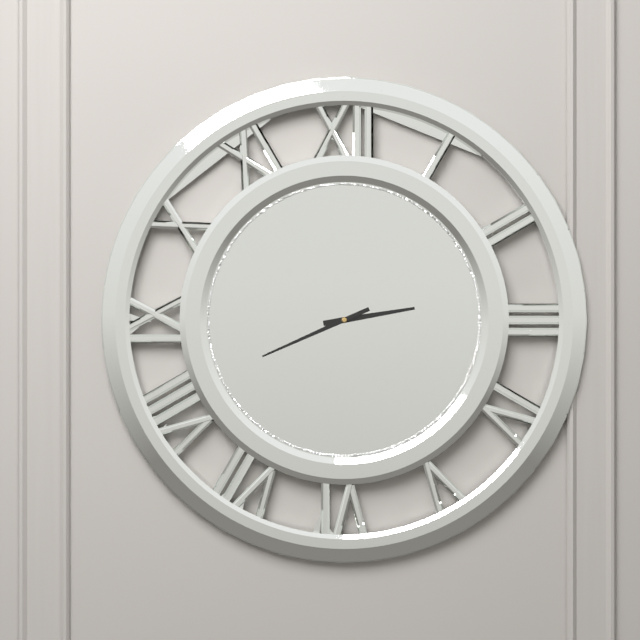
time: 2:41
